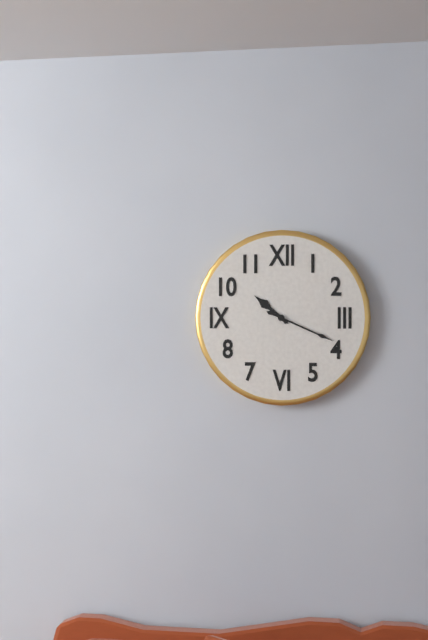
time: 10:19
